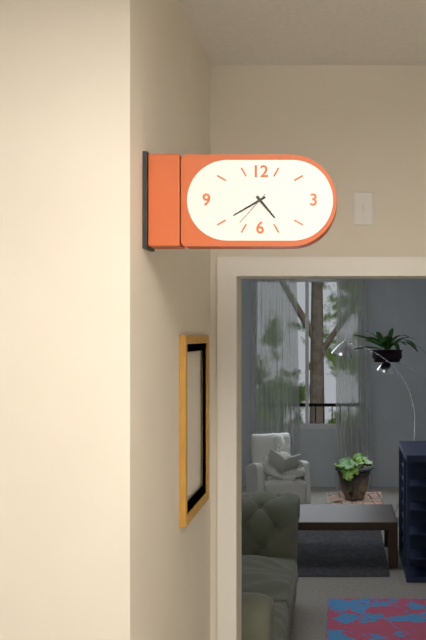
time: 4:40
